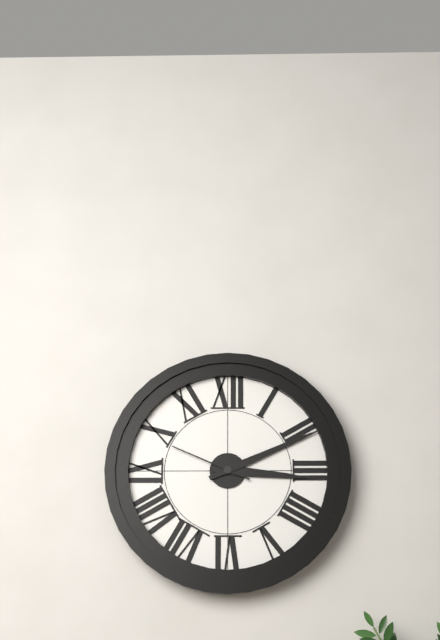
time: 3:11:49
